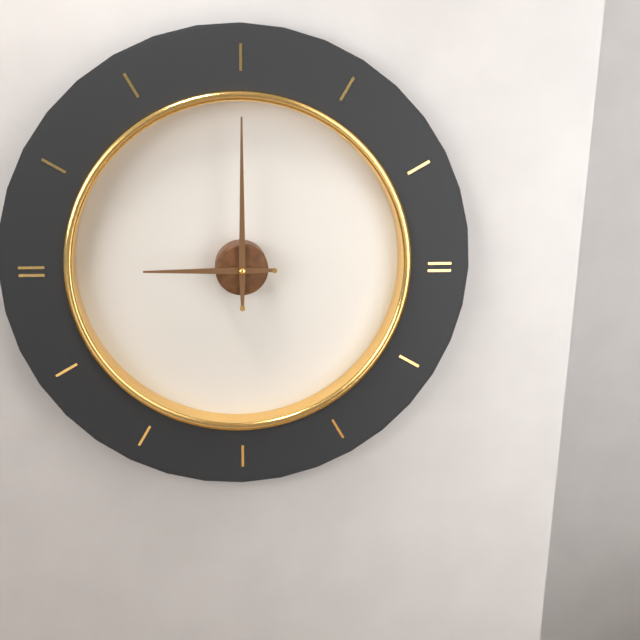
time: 9:00
